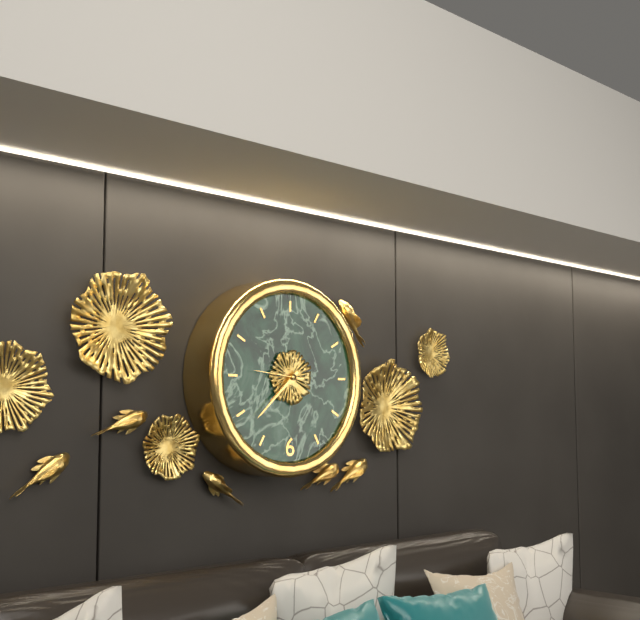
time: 7:38:46
